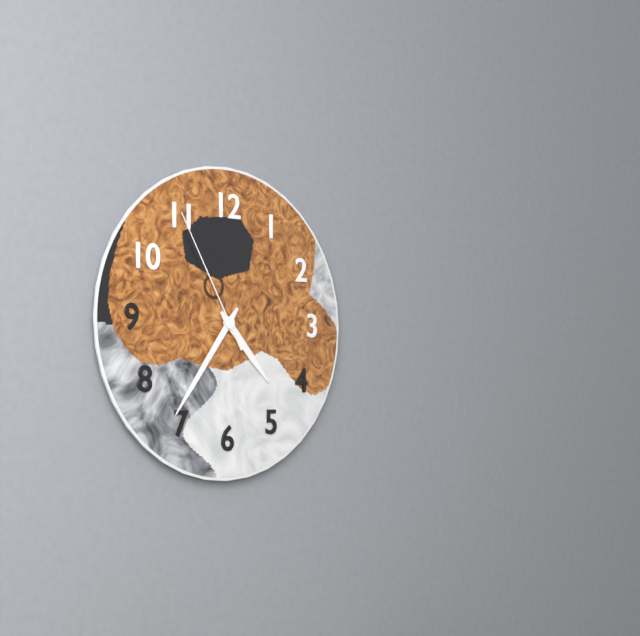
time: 4:36:55
